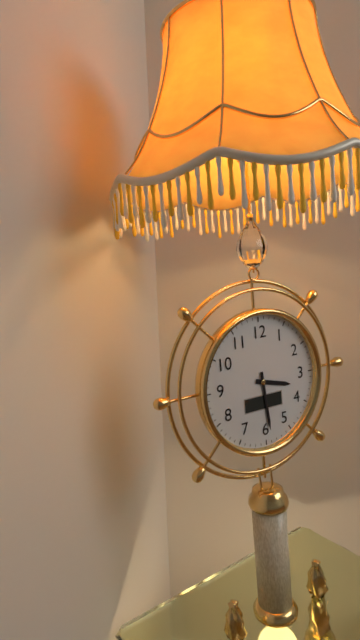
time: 3:29
